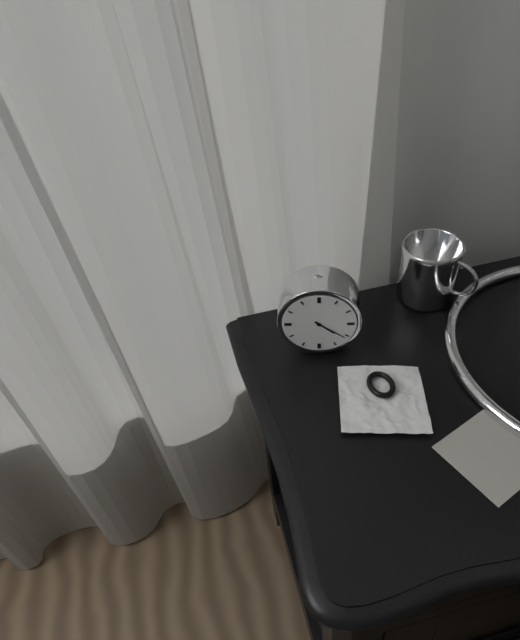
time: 4:21
